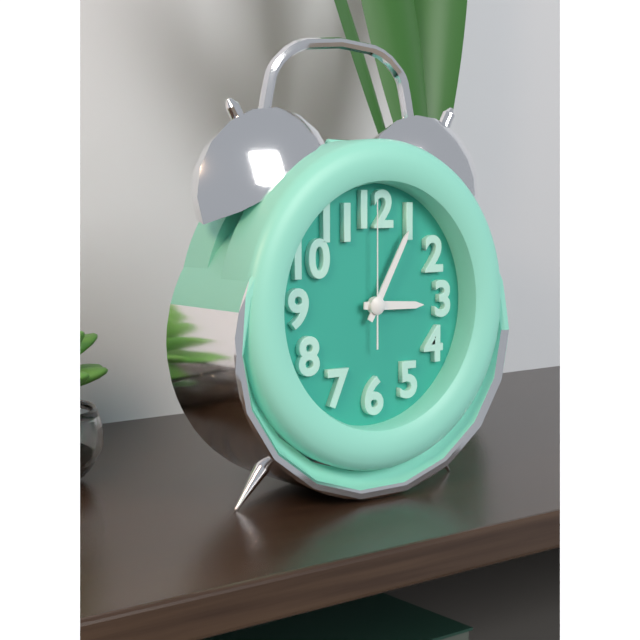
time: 3:05:00
